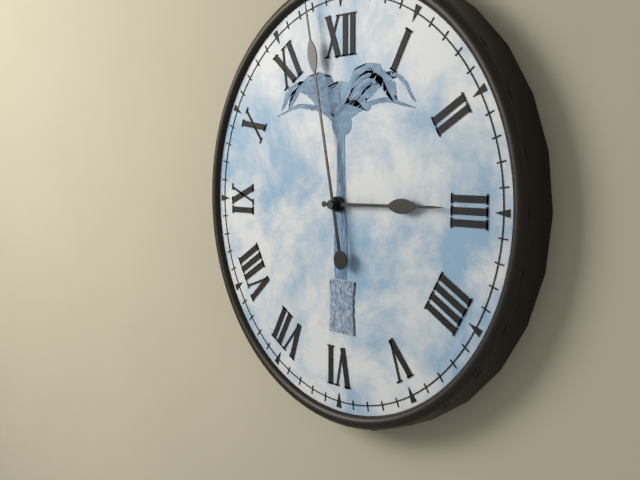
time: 2:58
